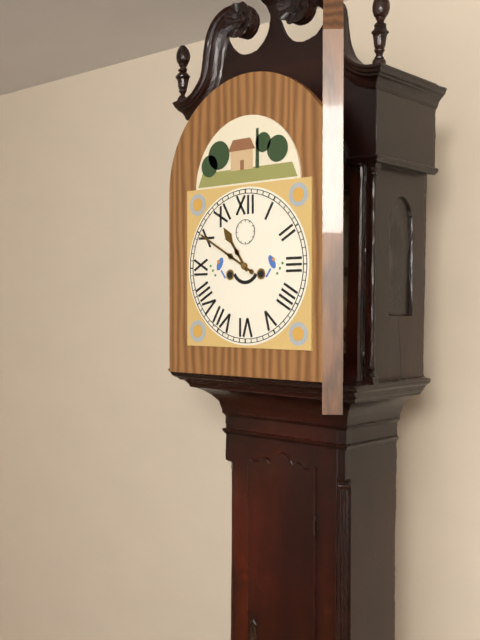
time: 10:50
